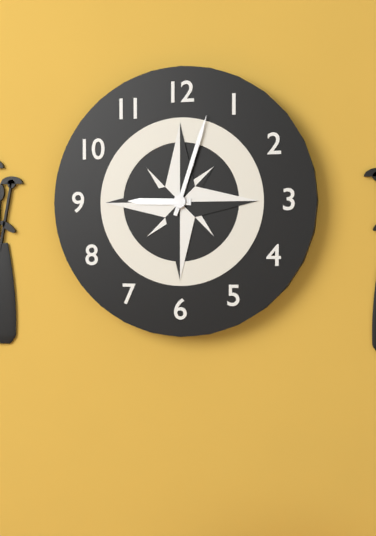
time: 9:03
